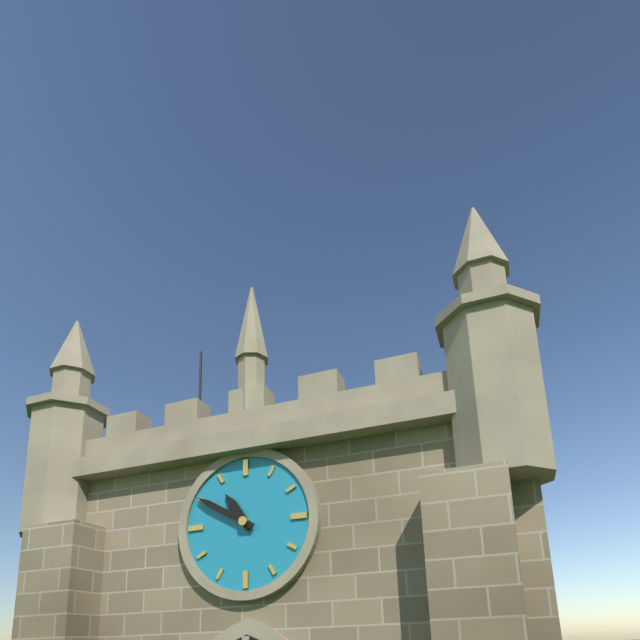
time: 10:50
